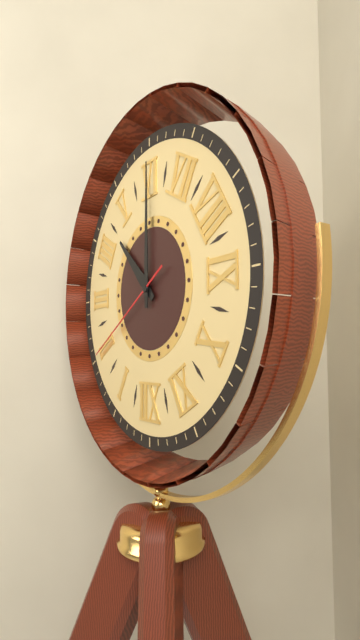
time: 4:30:10
